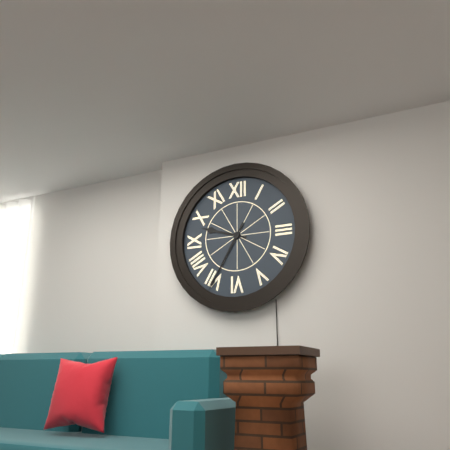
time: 9:35
